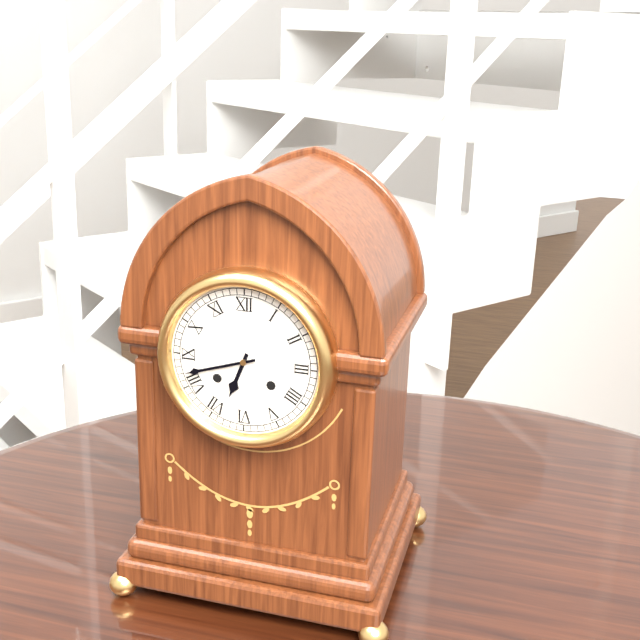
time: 6:42
